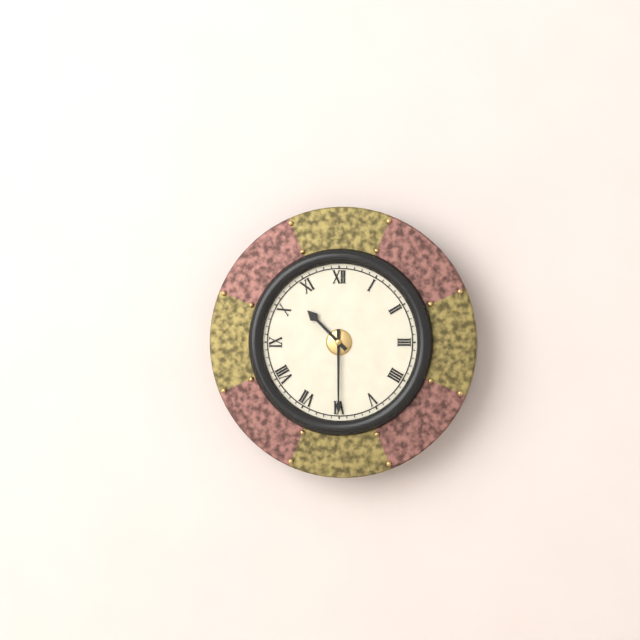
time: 10:30
